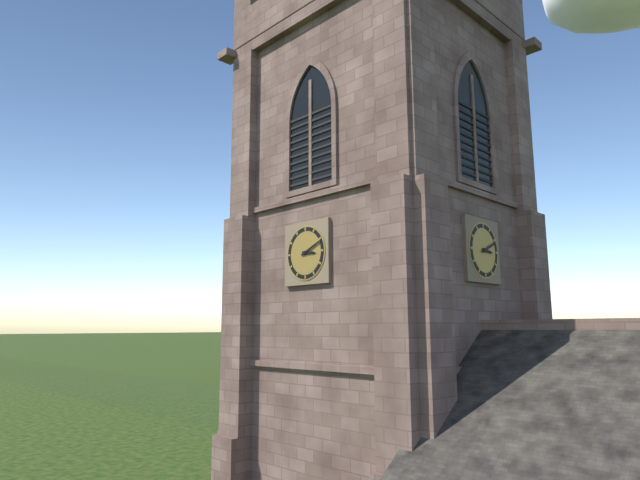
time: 3:11
